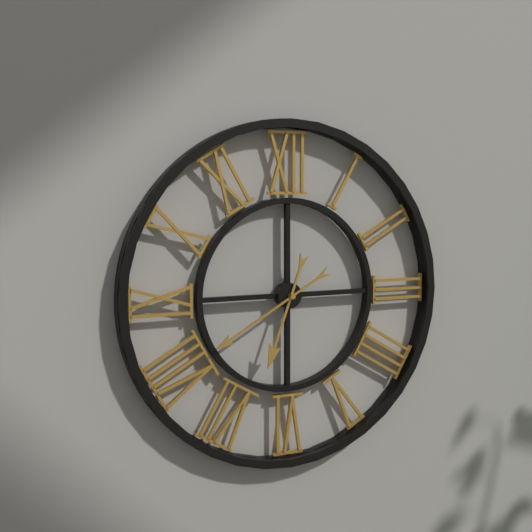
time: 6:40
